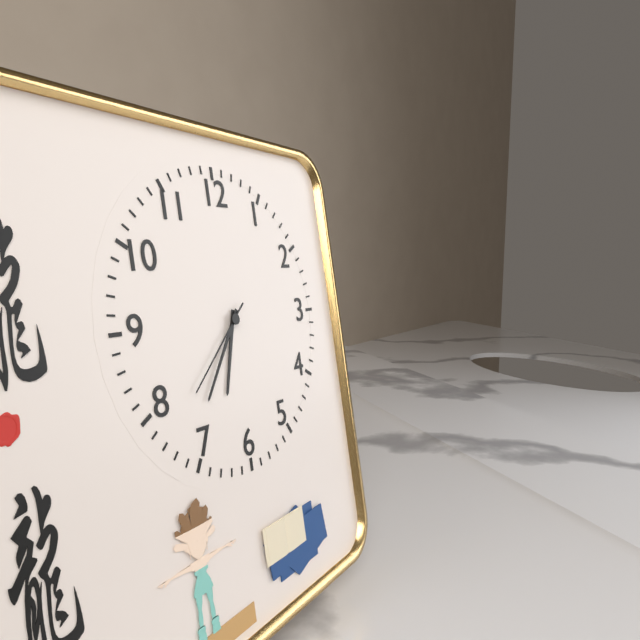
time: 6:36:38
